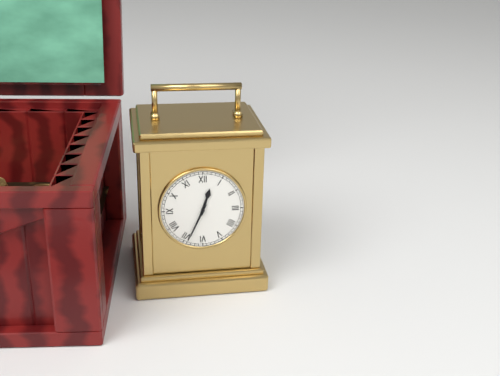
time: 12:34
